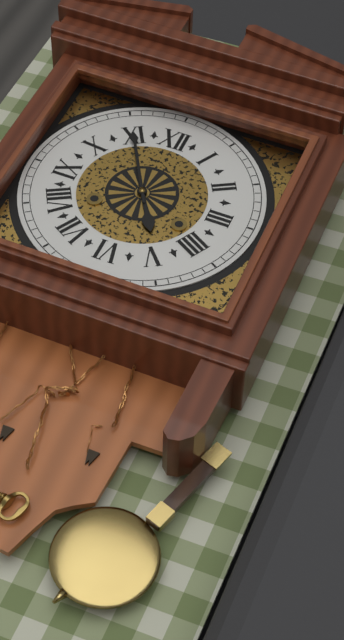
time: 4:55
